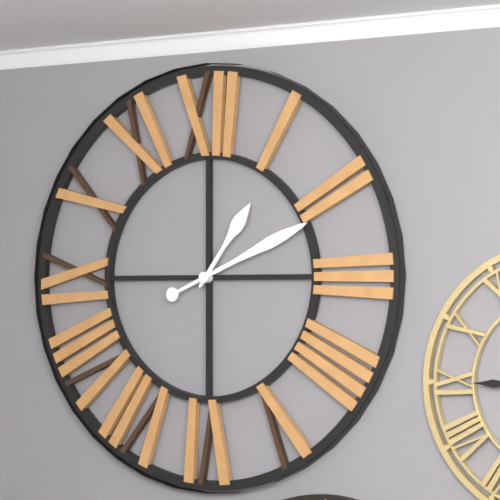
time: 1:11
